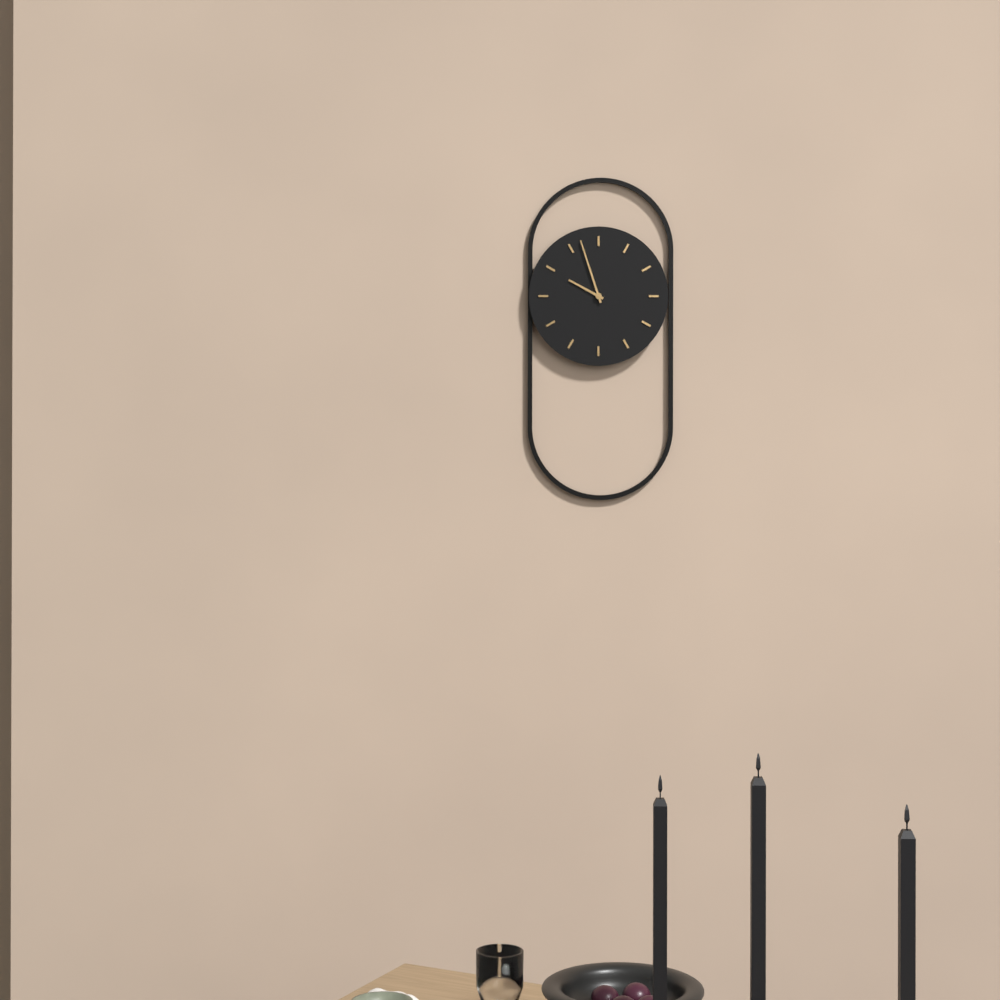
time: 9:57
